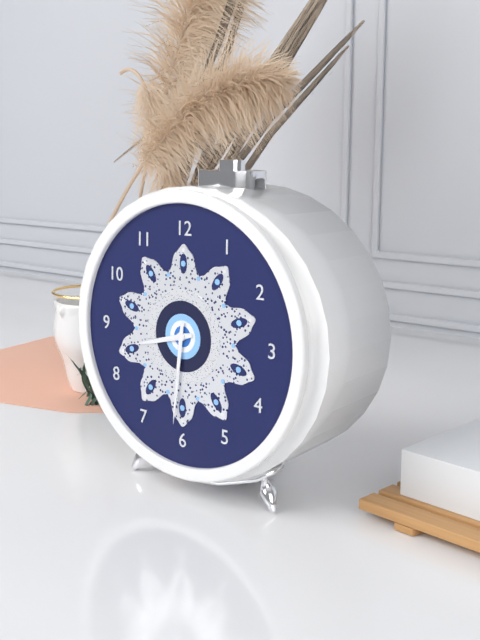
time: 8:31
